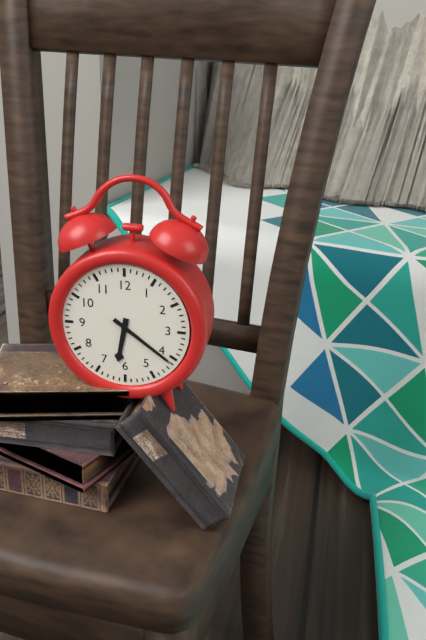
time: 6:21
